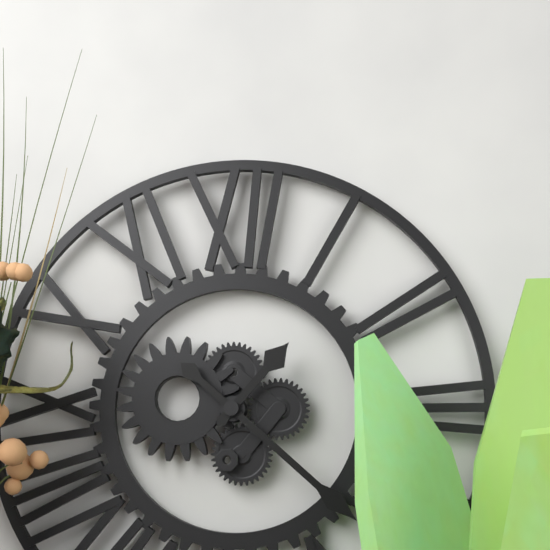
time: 1:22
